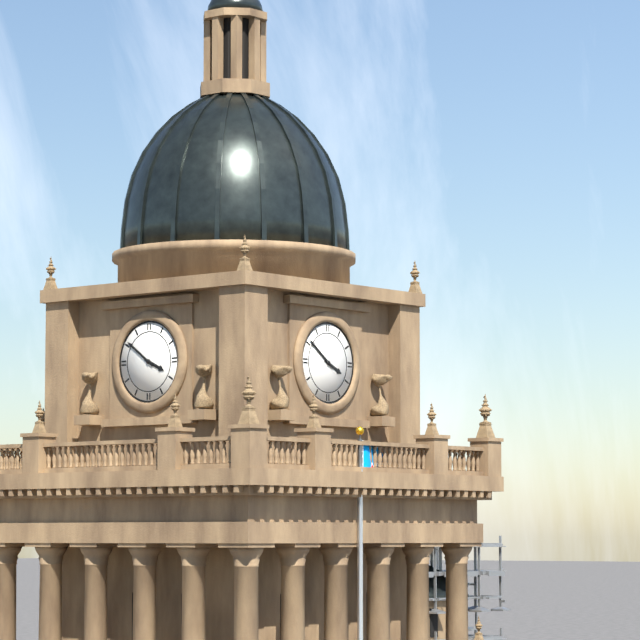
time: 3:51
